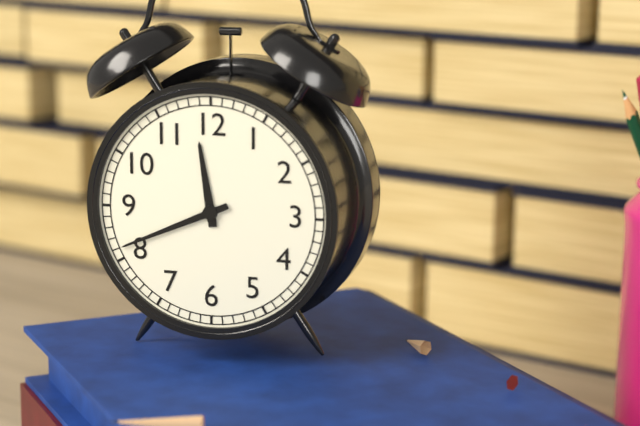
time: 11:41
